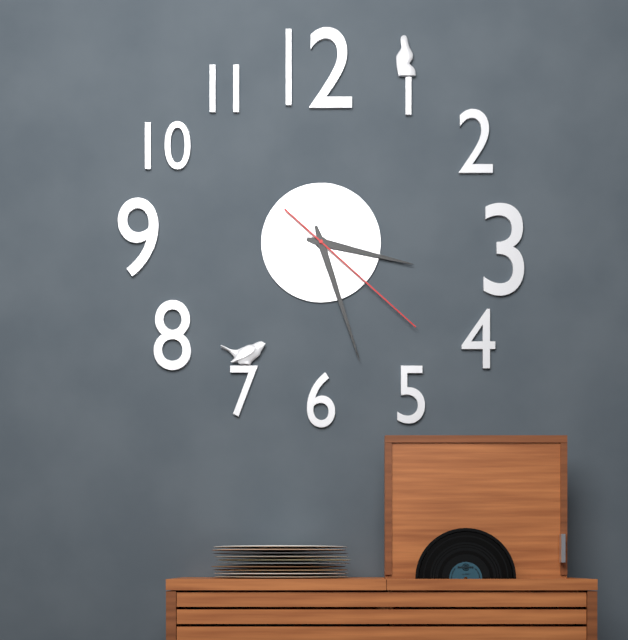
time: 3:27:22
